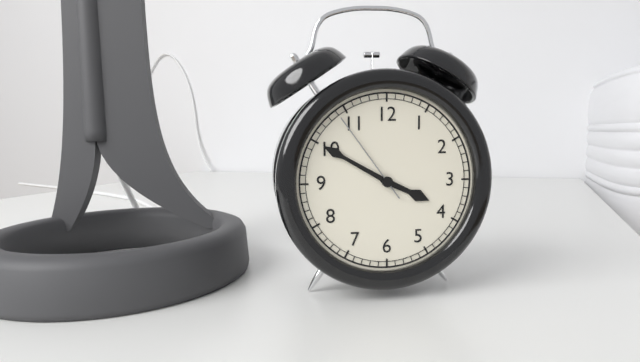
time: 3:50:54
